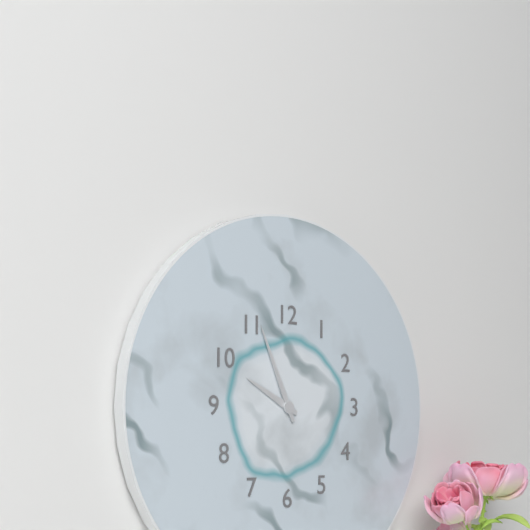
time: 9:56
